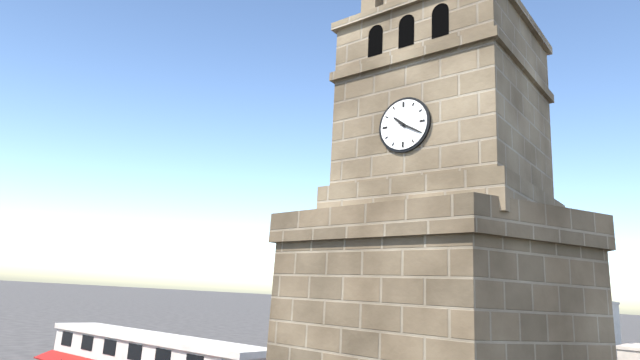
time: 10:20
